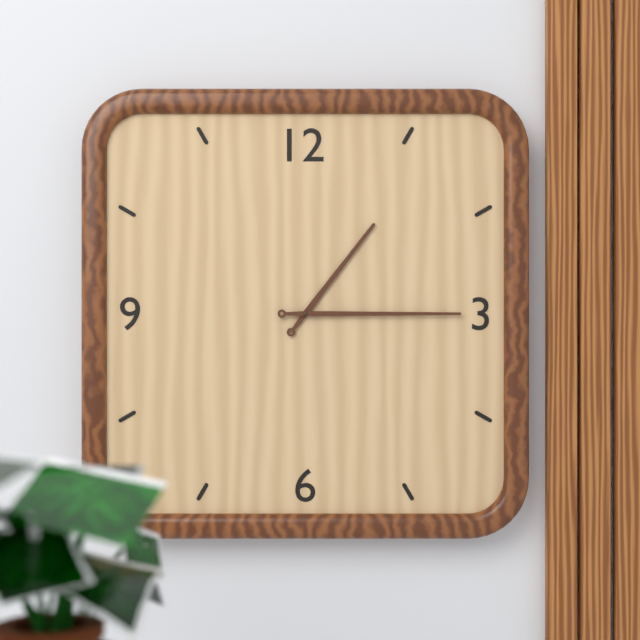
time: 1:15
